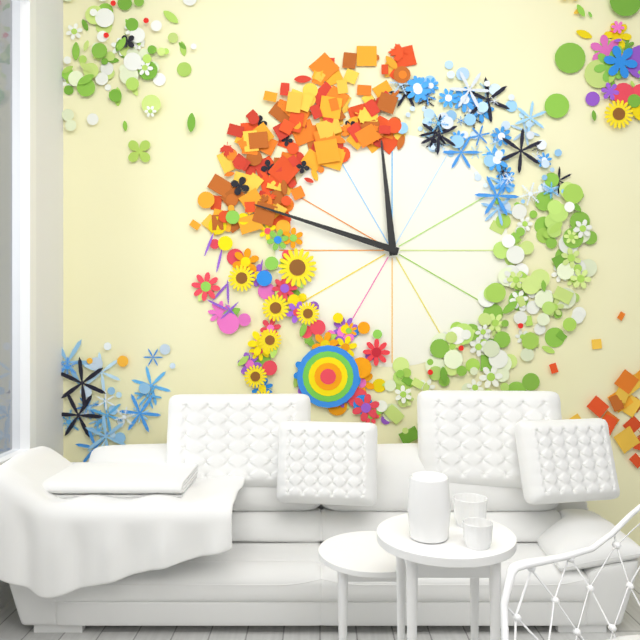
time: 11:48
